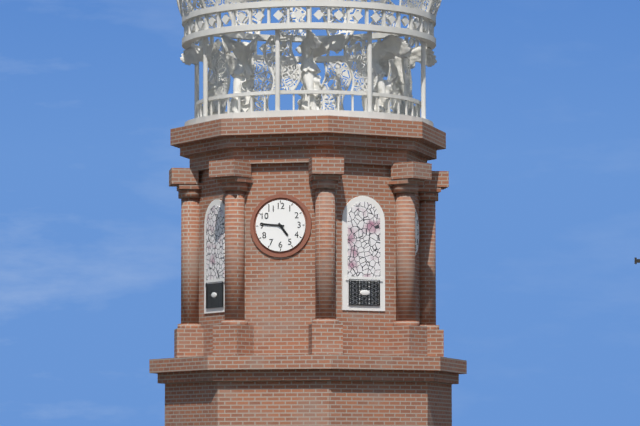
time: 4:46
